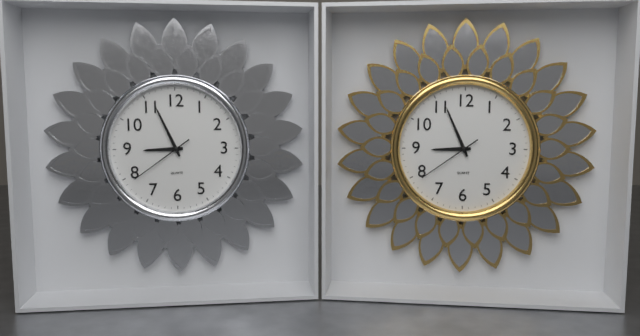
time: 8:56:39
